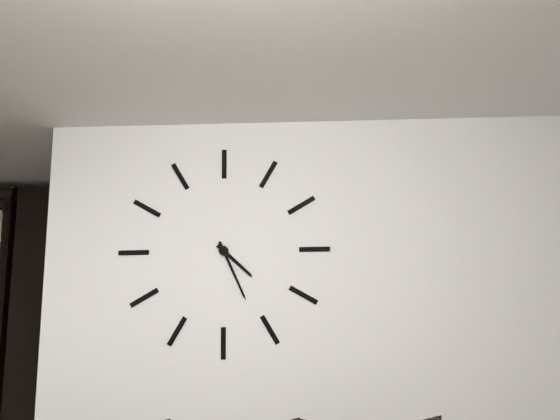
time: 4:26
